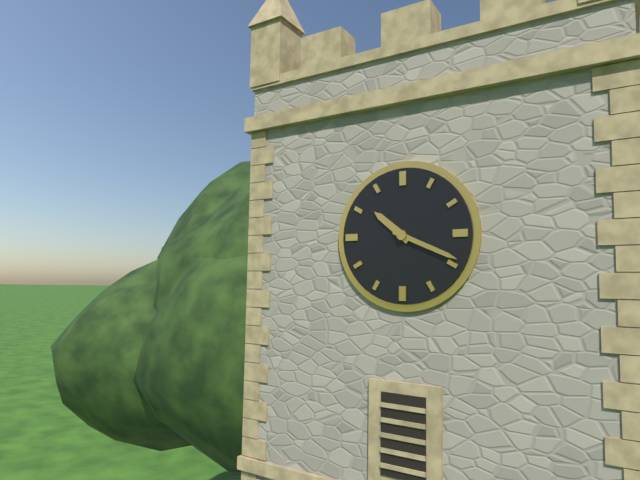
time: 10:19
